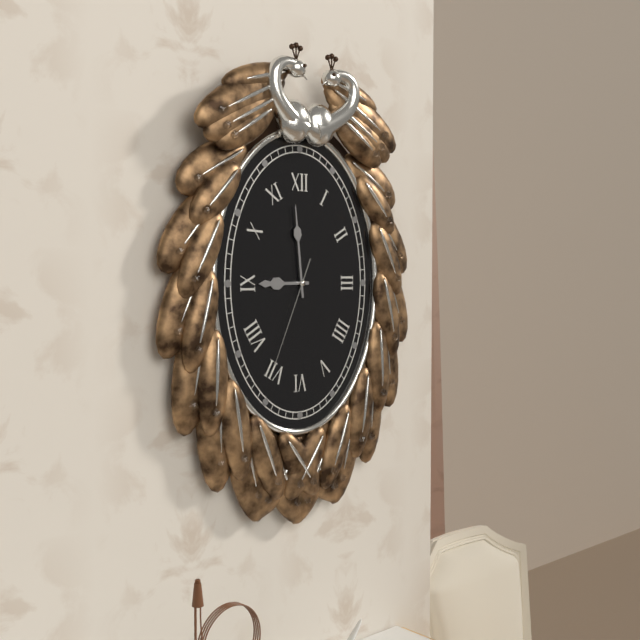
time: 8:59:34
